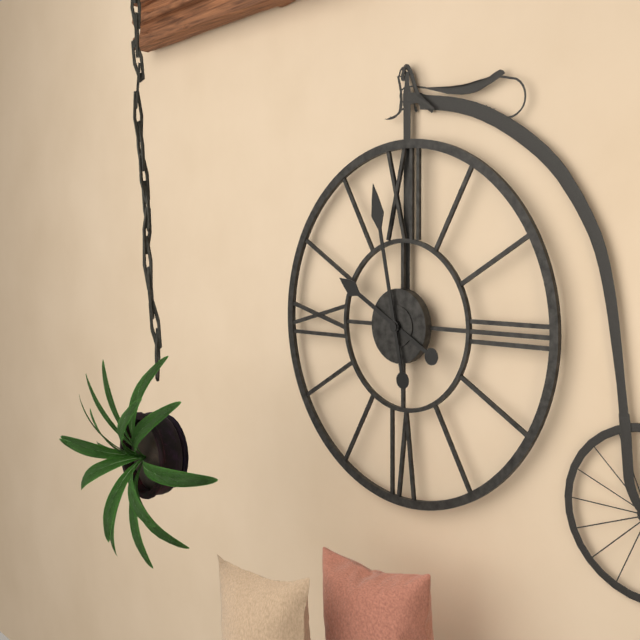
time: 9:58
